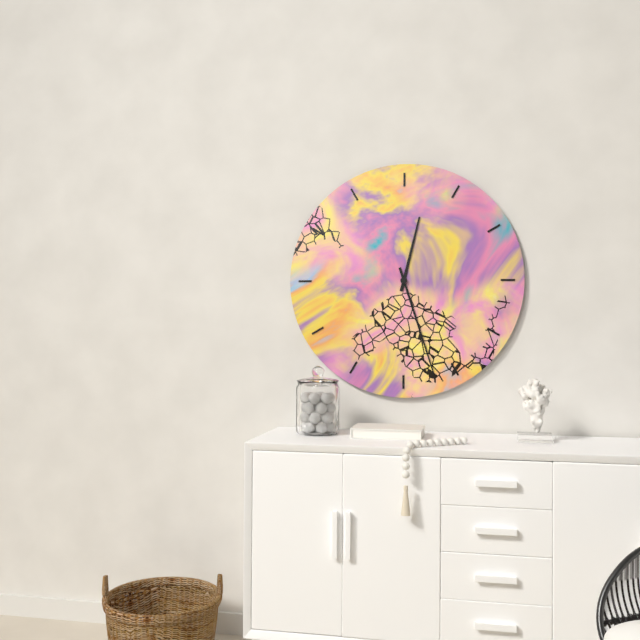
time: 12:27
